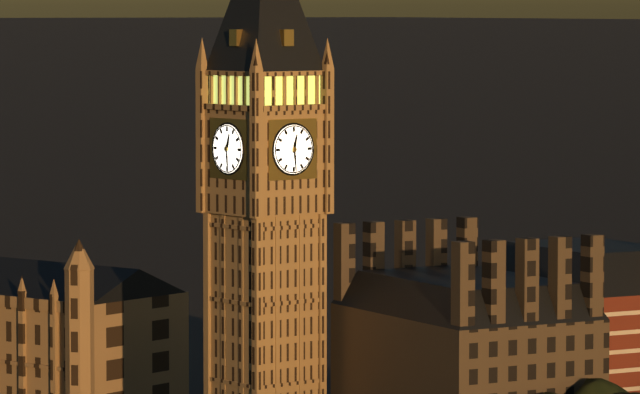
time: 12:29
